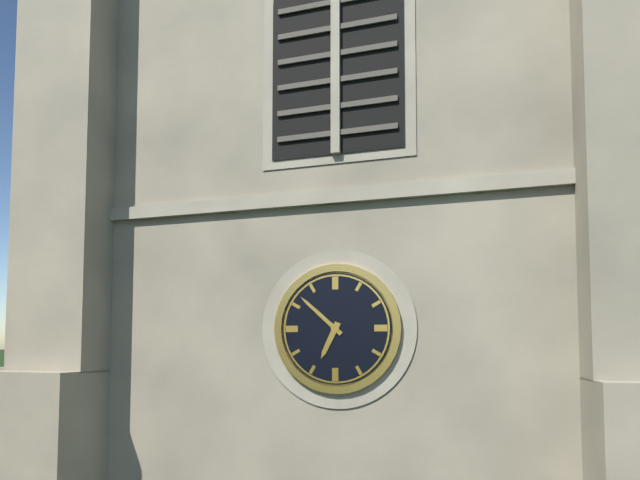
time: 6:52
